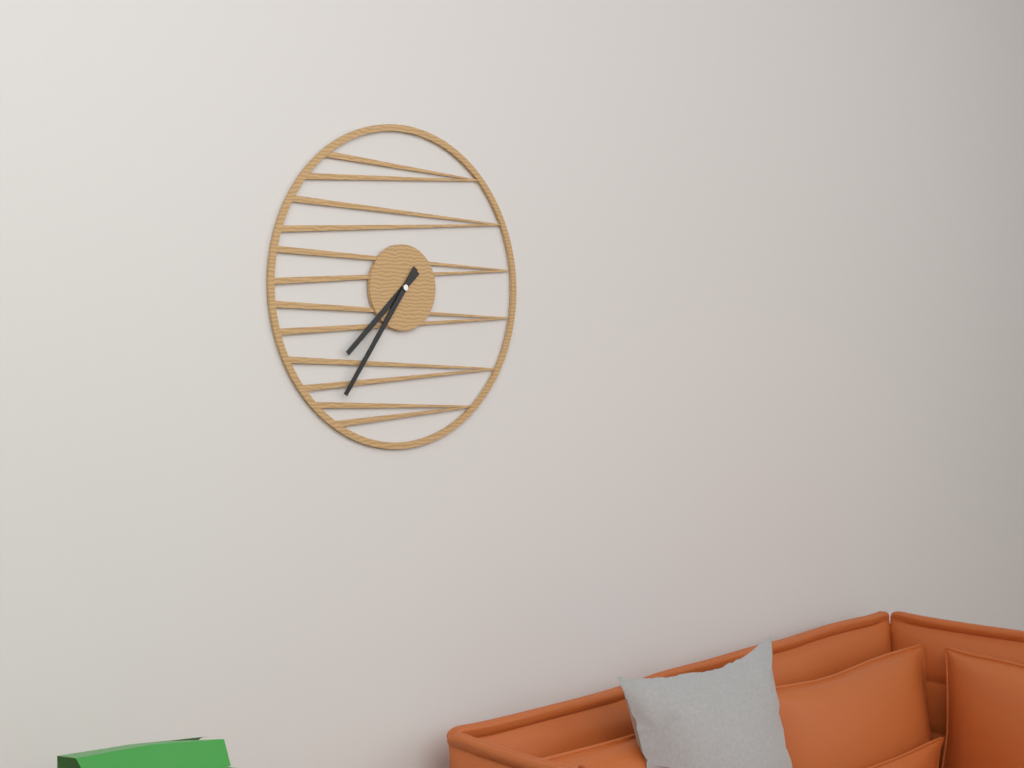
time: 7:36
